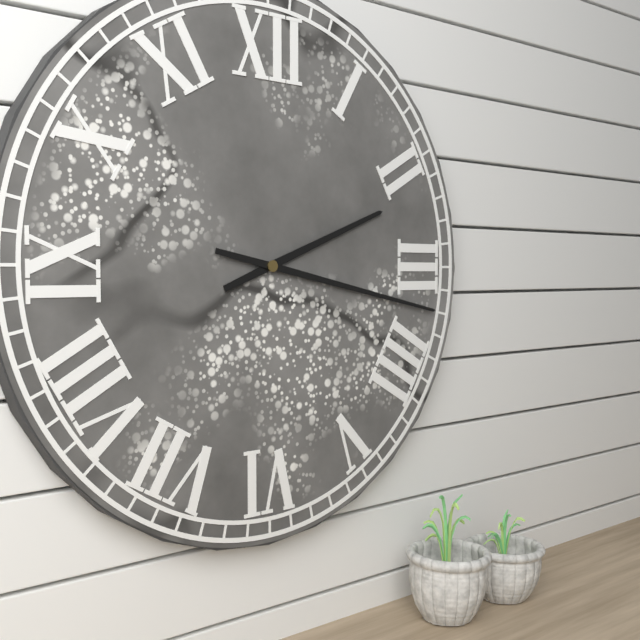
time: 2:17
